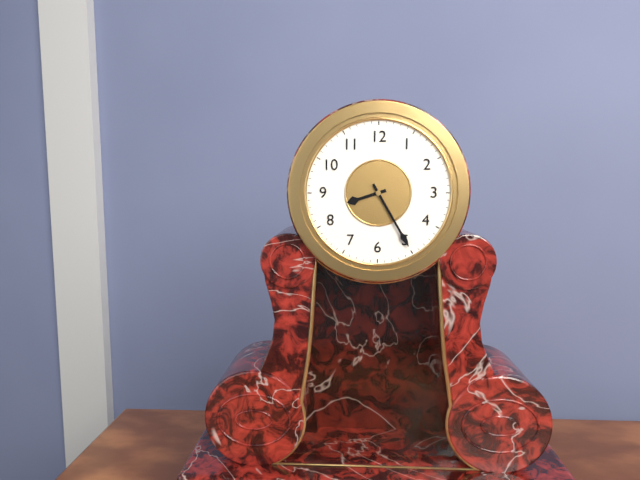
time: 8:25
